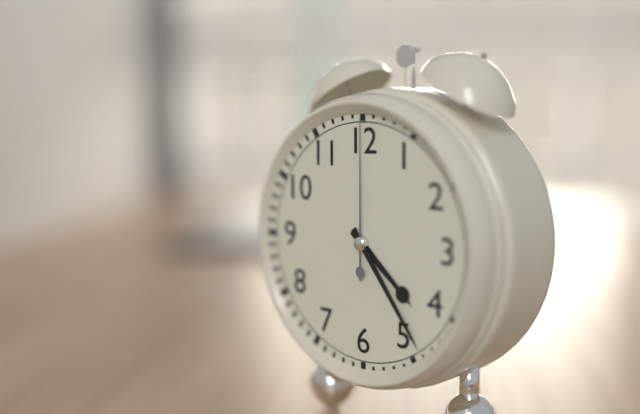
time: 4:24:00
